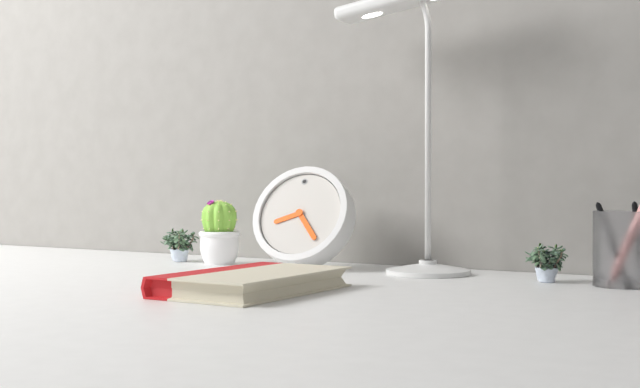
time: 8:24
